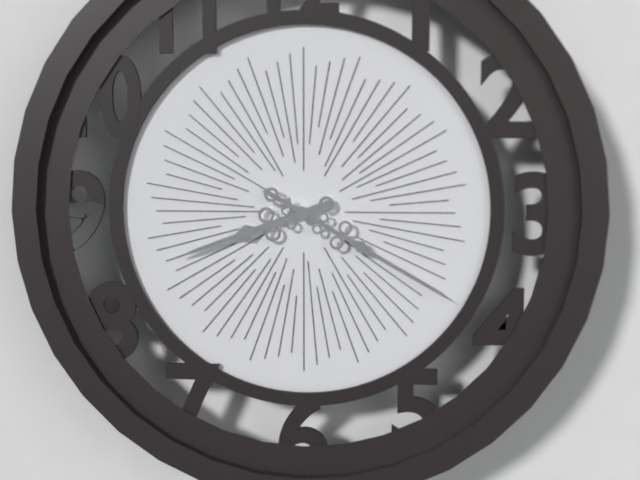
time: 8:20
